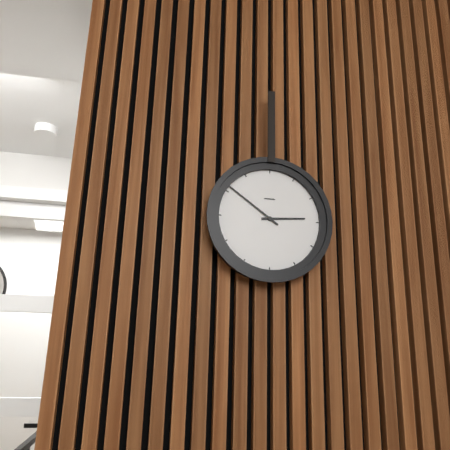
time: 2:51
